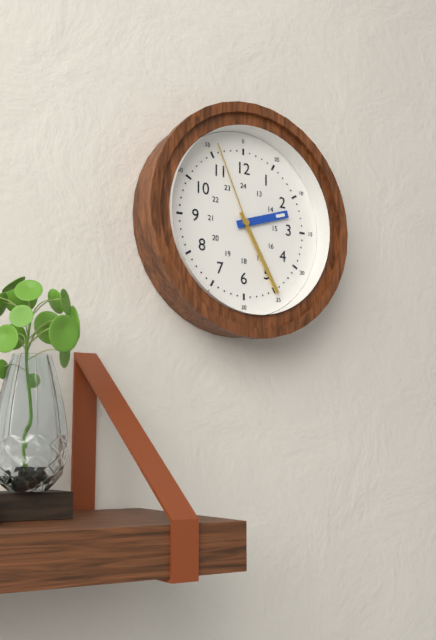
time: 2:25:56
